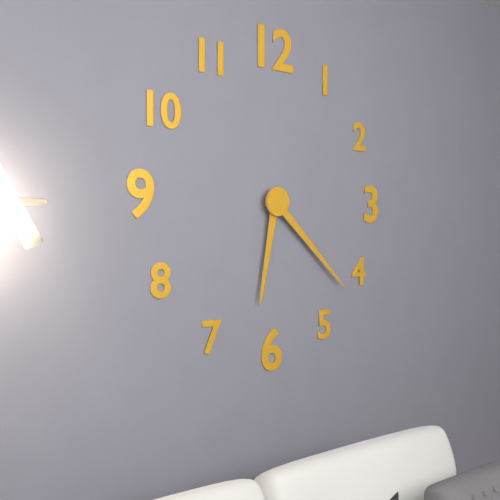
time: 6:22
